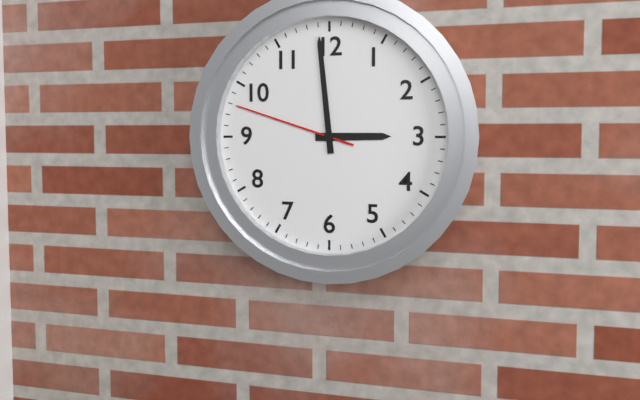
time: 2:59:48
